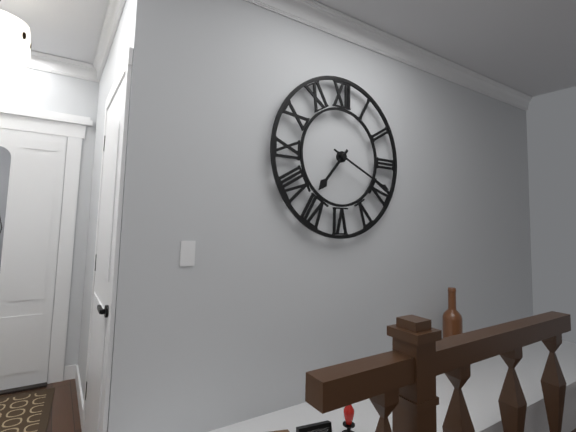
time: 7:19
